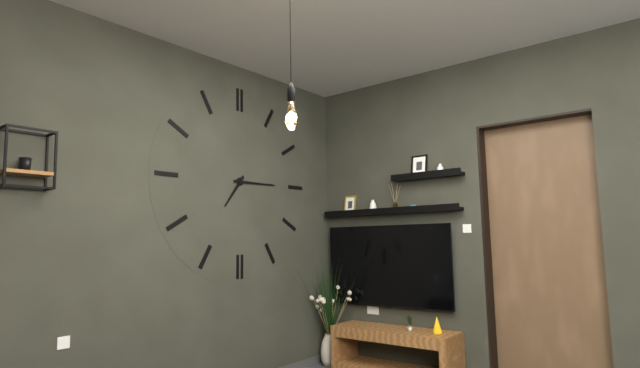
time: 7:15
